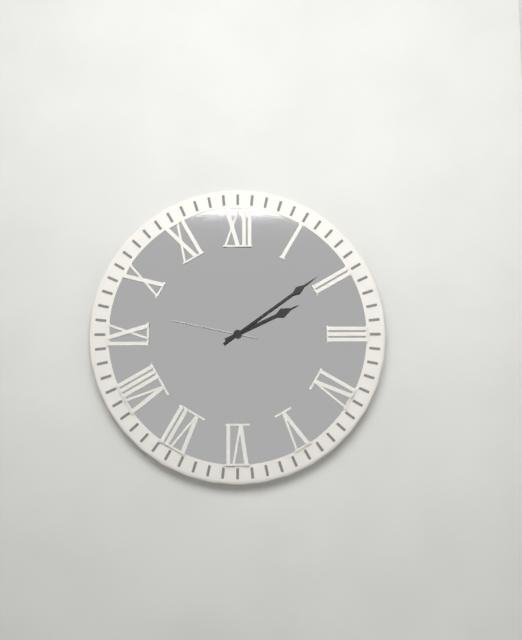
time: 2:09:47
